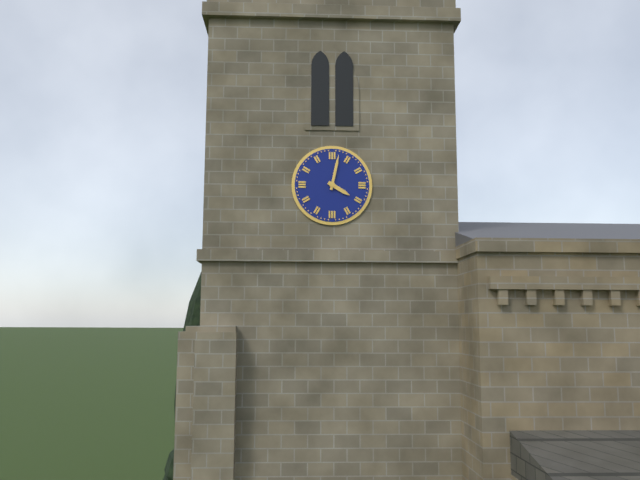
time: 4:02
